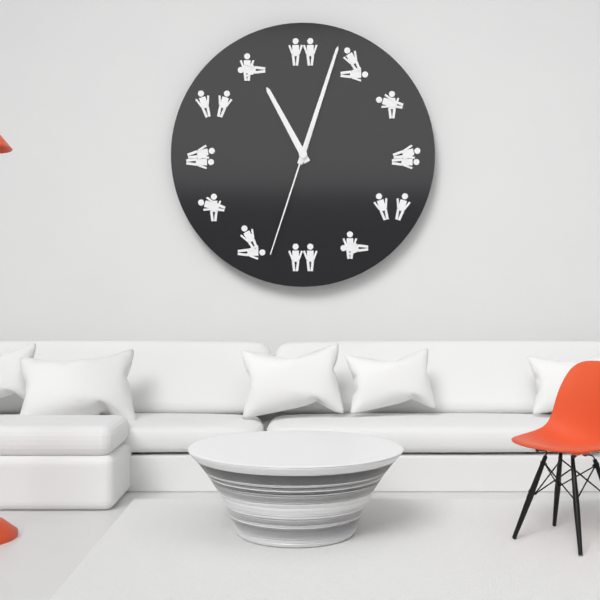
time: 11:03:33
